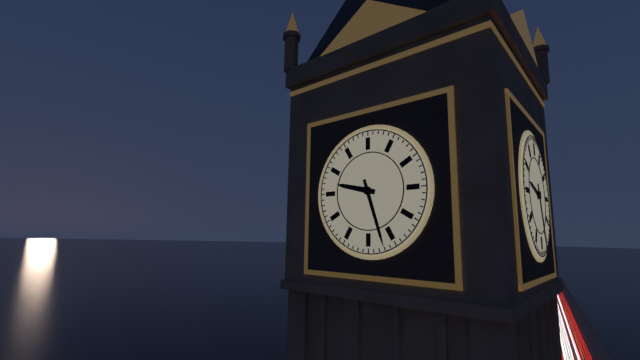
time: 9:27
